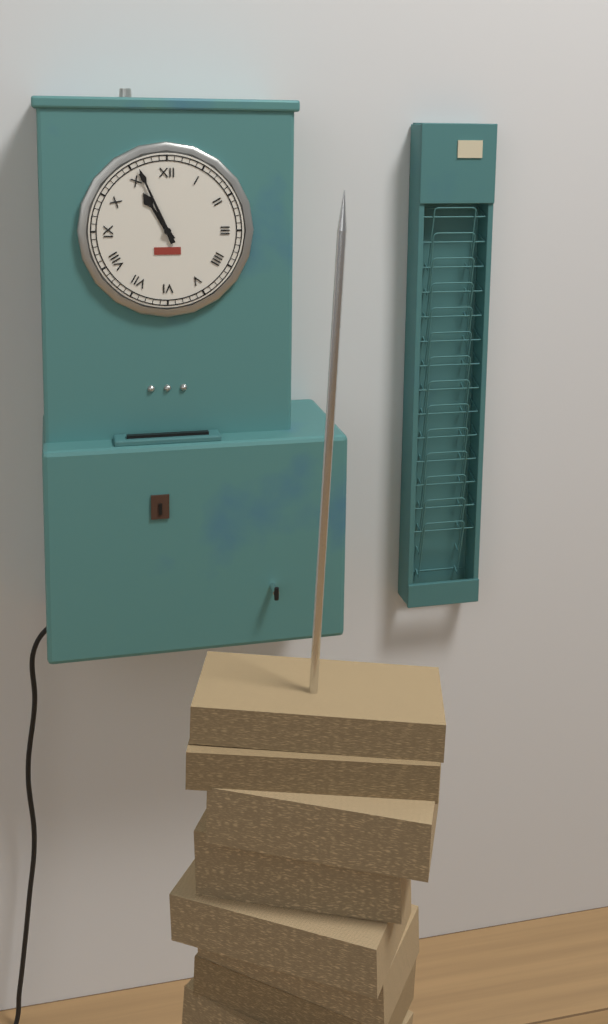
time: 10:56
